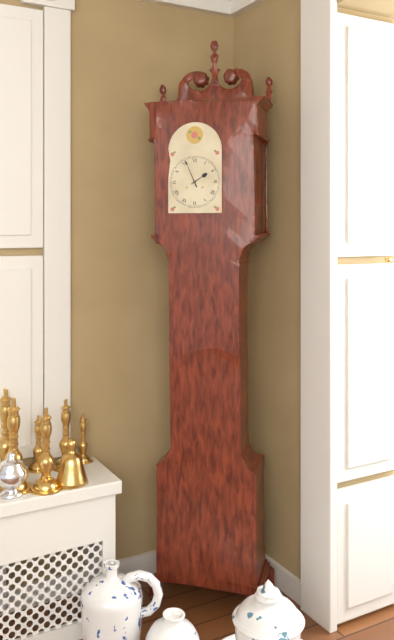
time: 1:56
